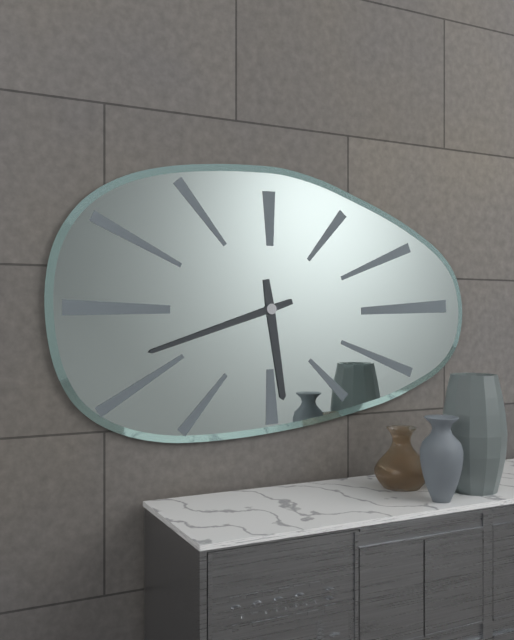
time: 5:42
